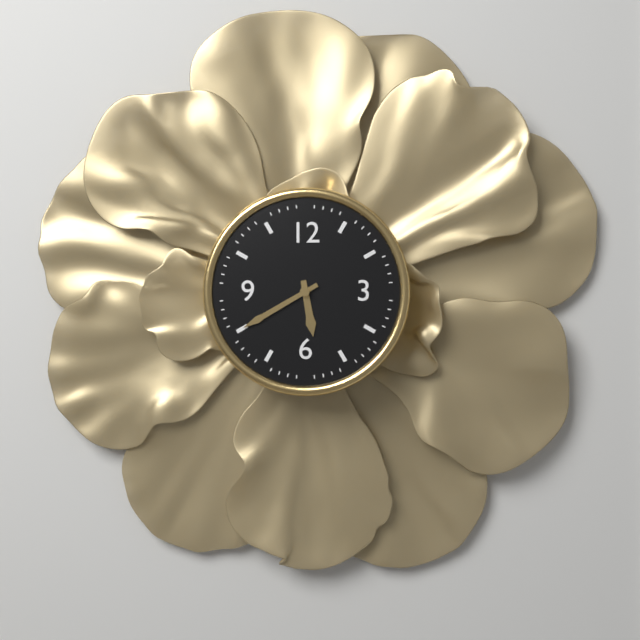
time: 5:40
